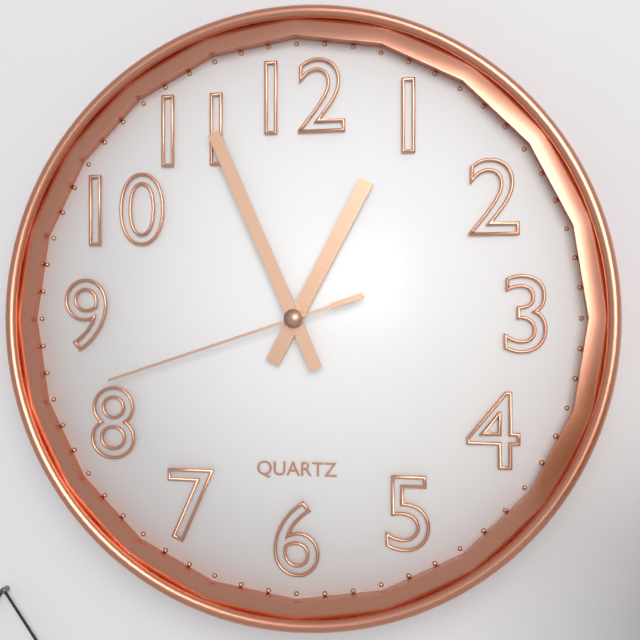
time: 12:56:42
